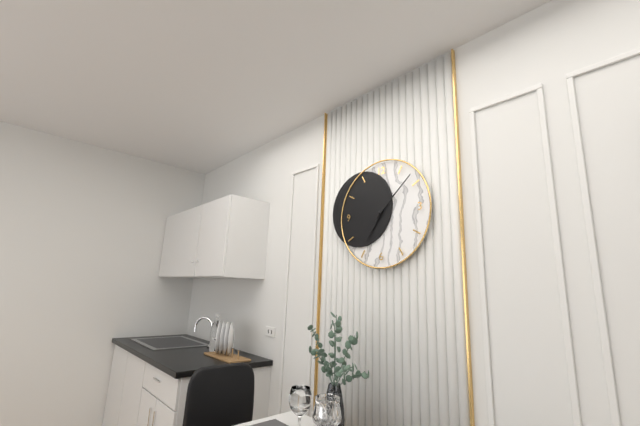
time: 7:08
